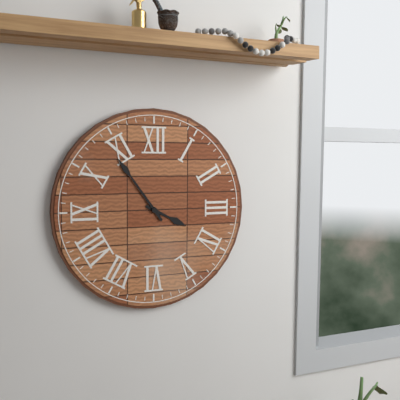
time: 3:54
